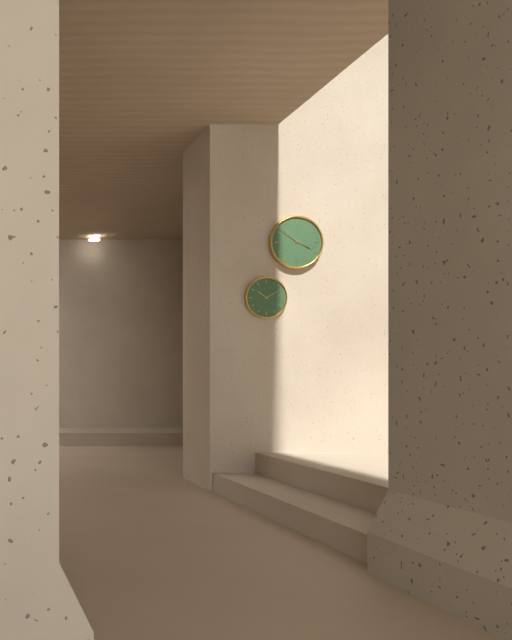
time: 3:51
